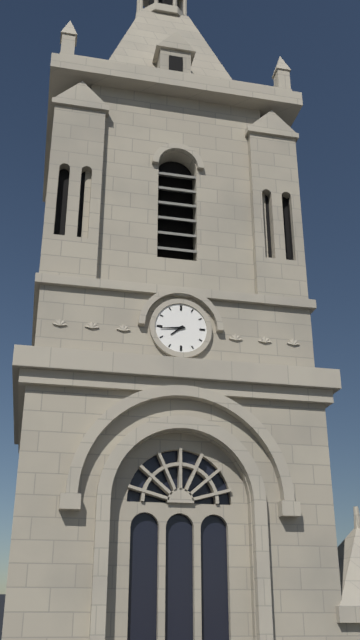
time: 7:44
